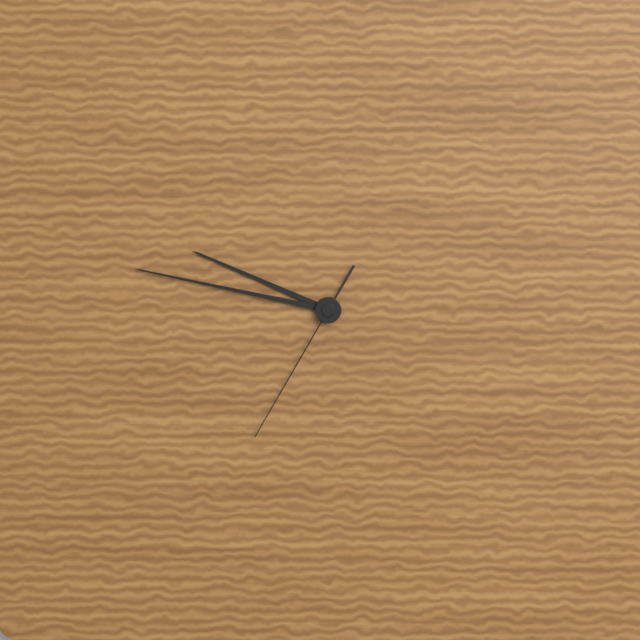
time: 9:47:35
